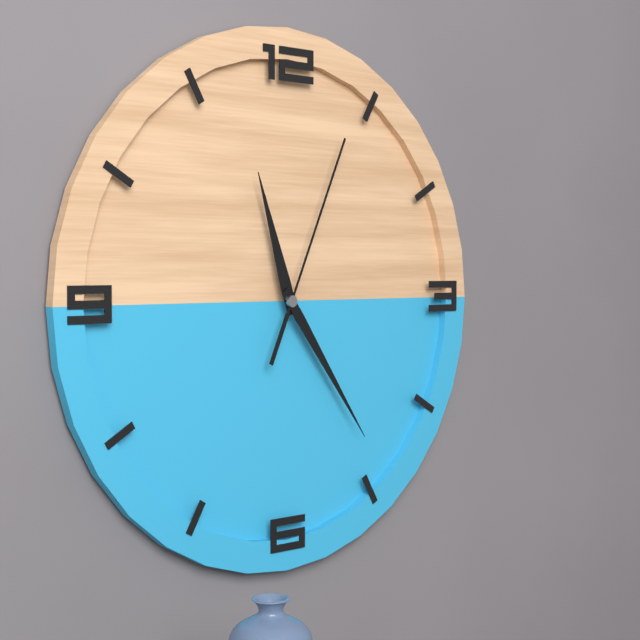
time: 11:24:04
